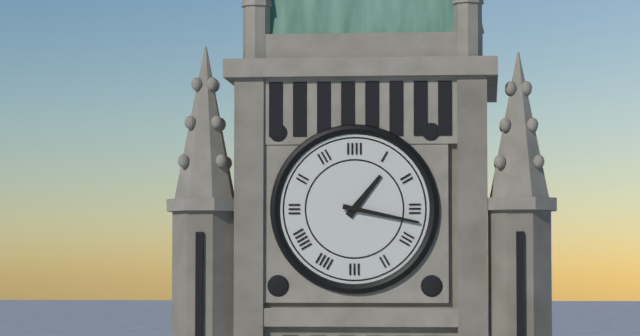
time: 1:17
